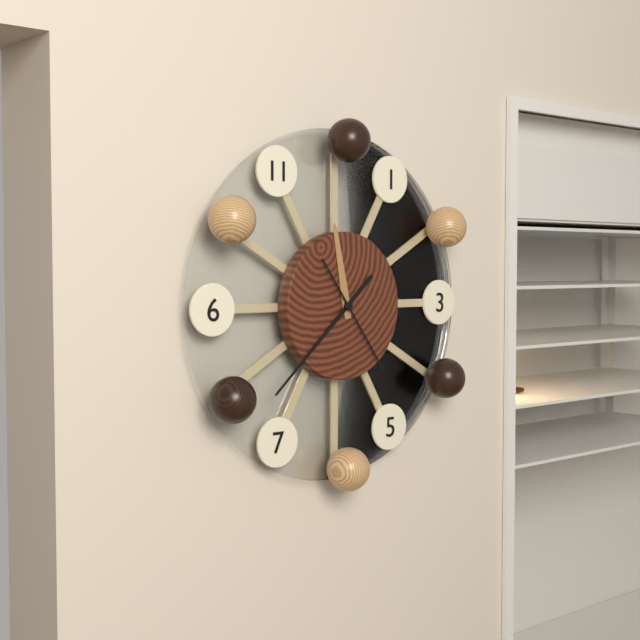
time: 11:38:24
